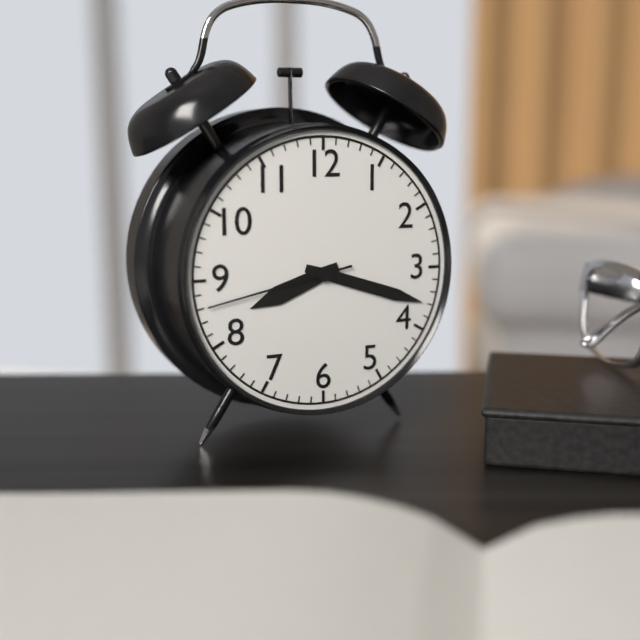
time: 8:18:43
